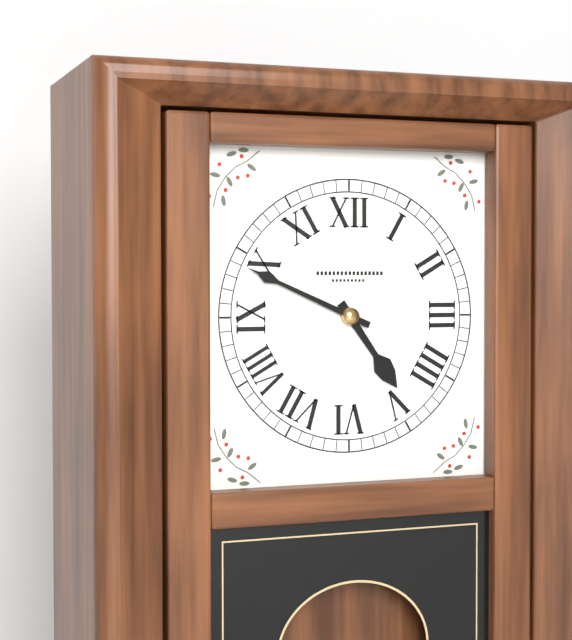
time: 4:49
